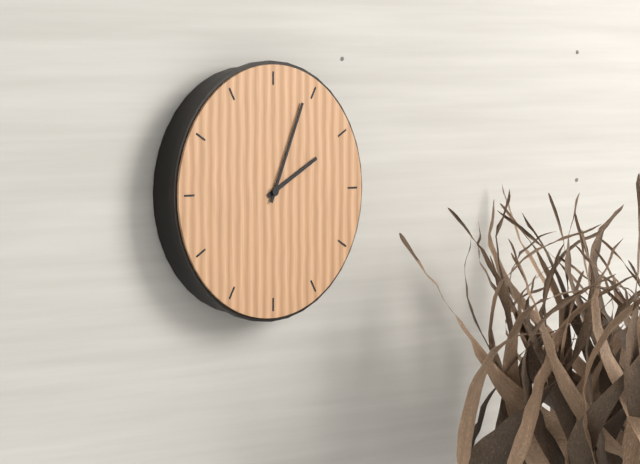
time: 2:04
